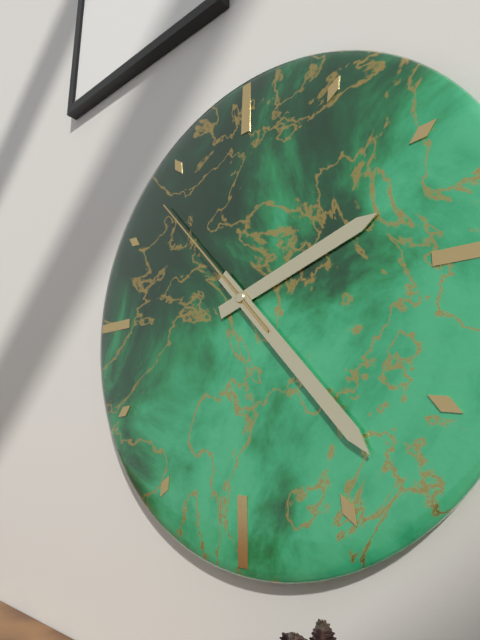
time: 2:23:53
